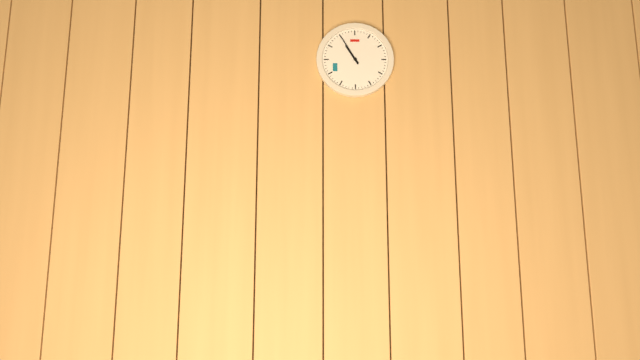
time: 10:55
